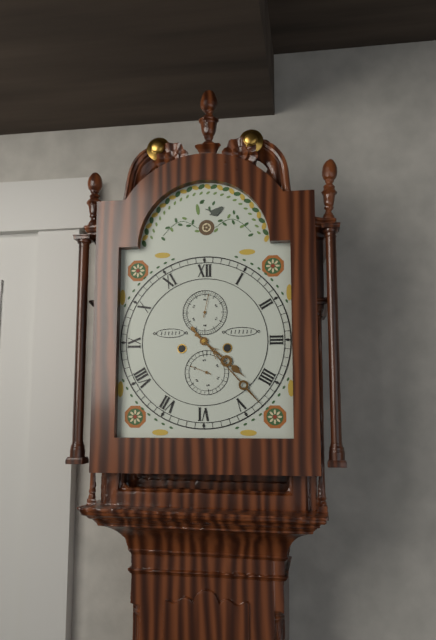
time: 4:23
